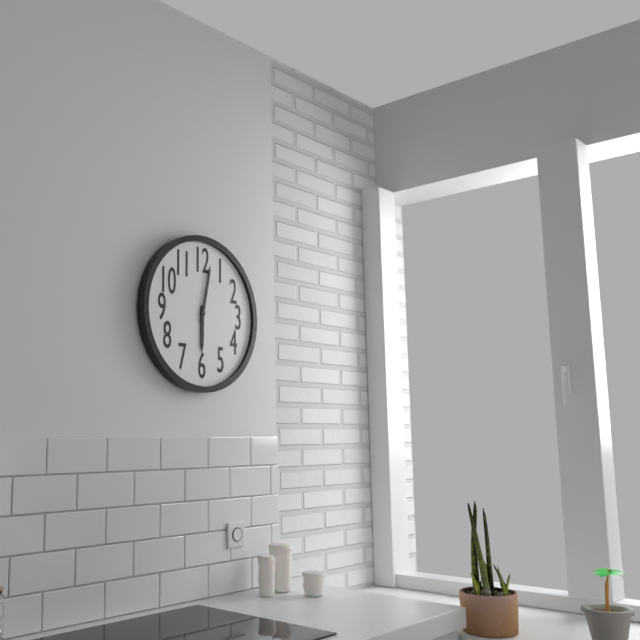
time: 6:02
